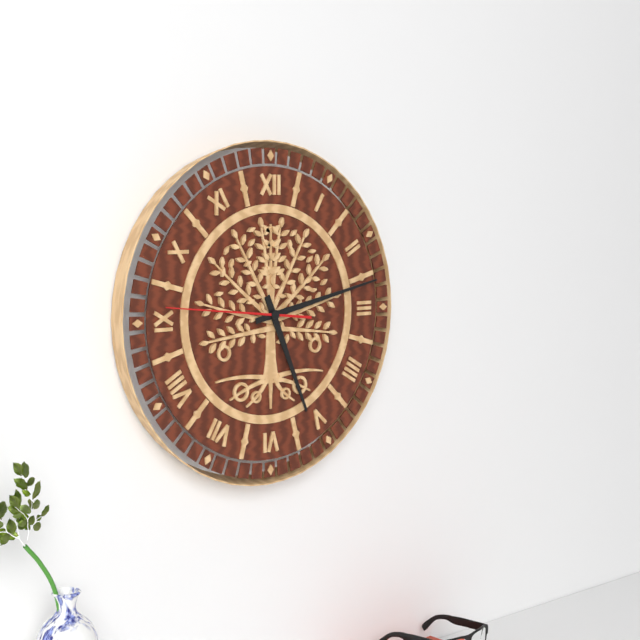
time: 5:13:46
